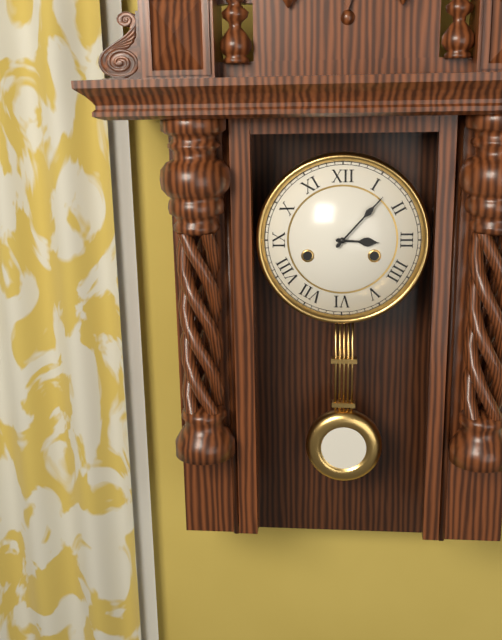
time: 3:07
